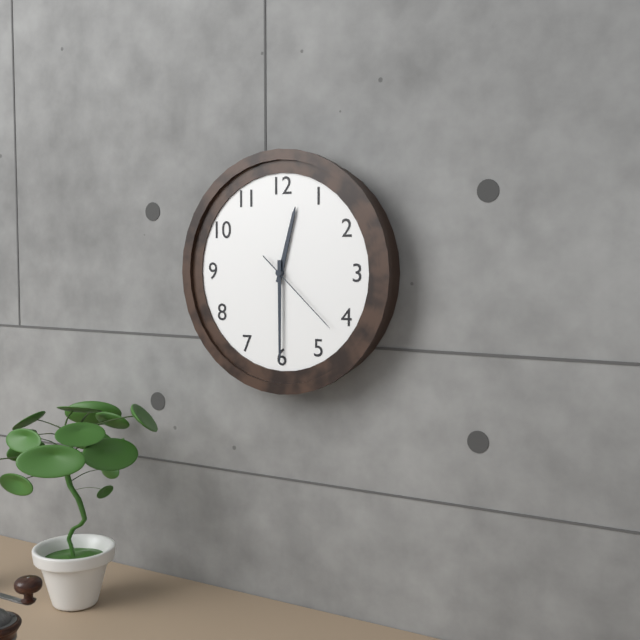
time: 12:30:22
